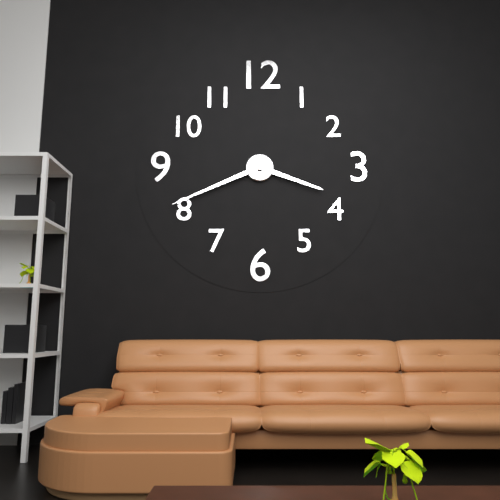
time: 3:41
